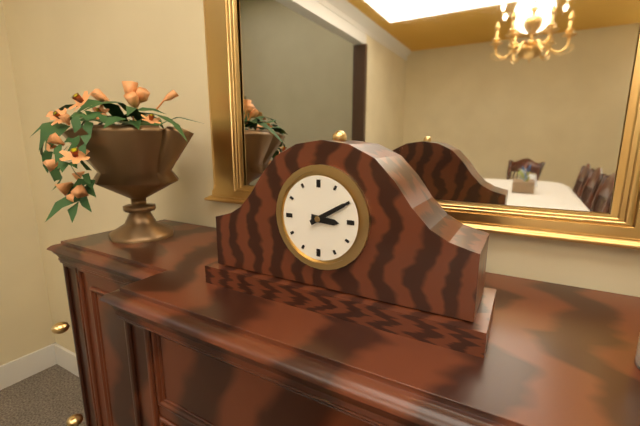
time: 3:10
